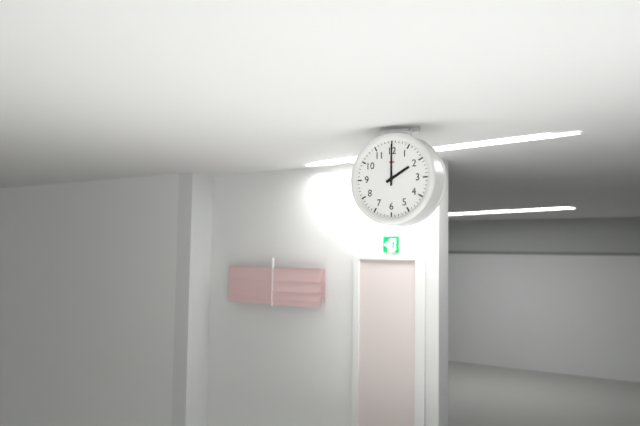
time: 2:00
